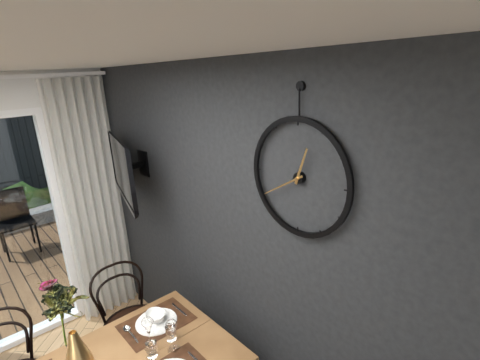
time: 12:40
